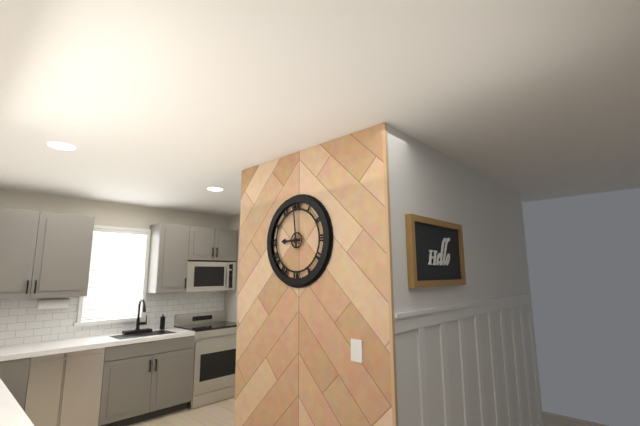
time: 8:59
